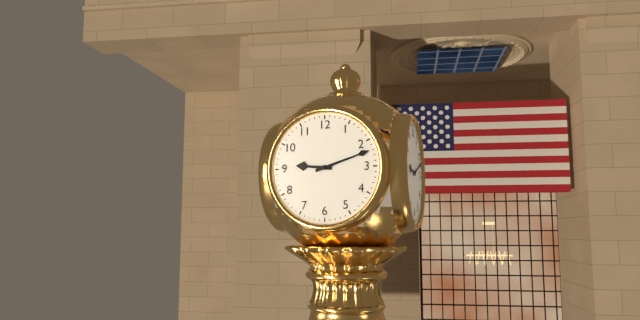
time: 9:12
